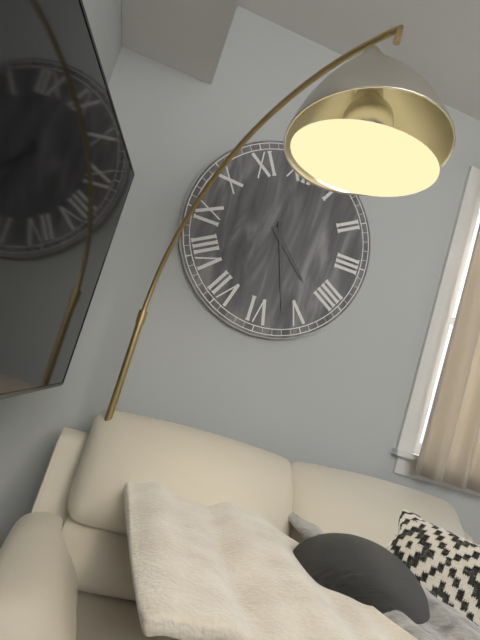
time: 4:27
